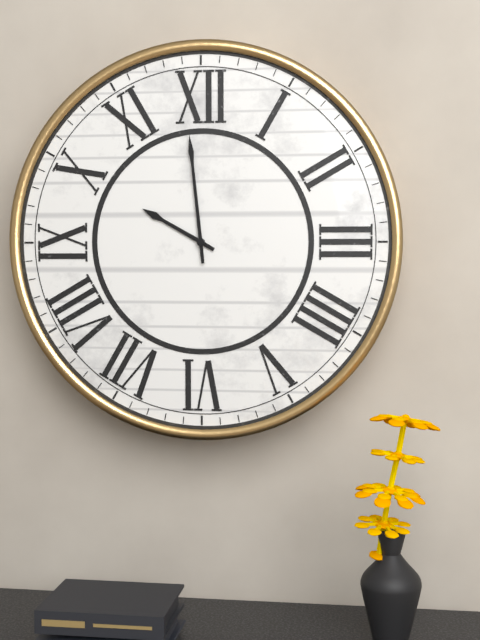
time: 9:59
